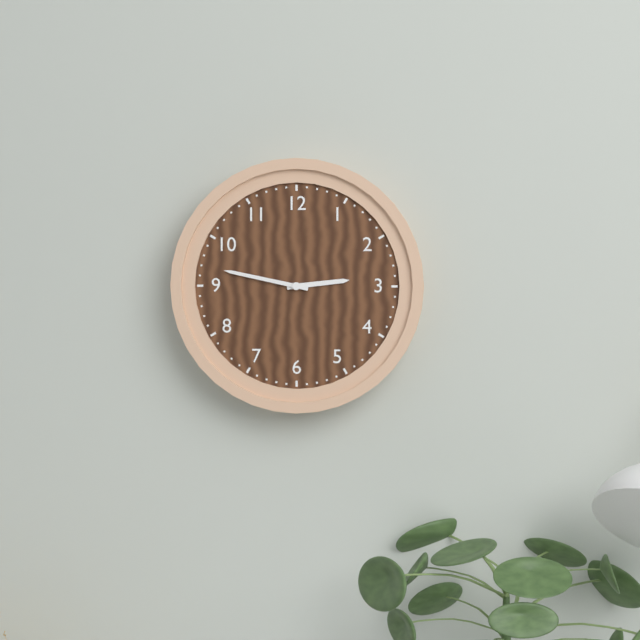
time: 2:47
